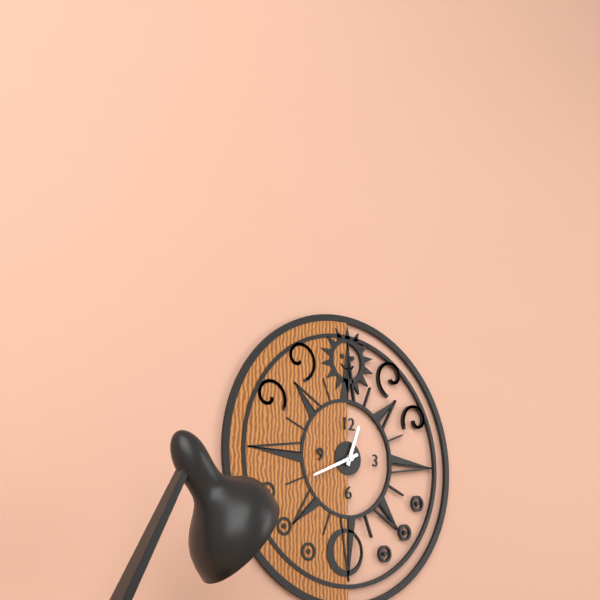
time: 12:41
